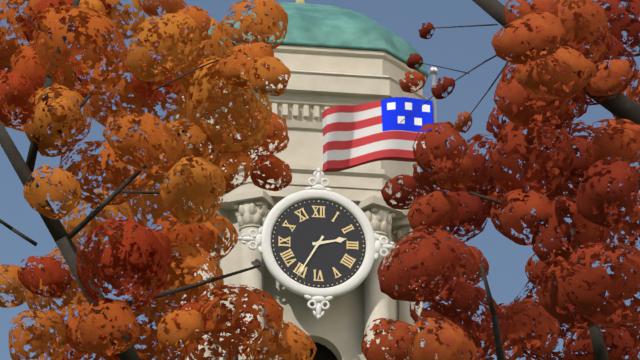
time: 2:35
